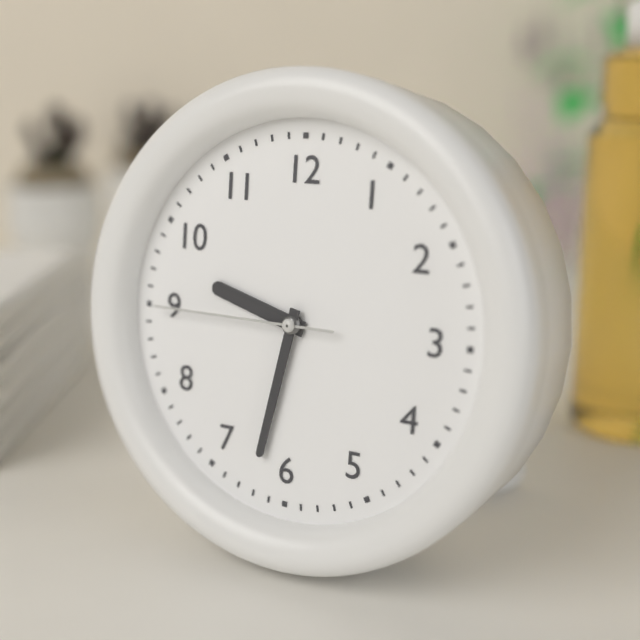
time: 9:32:45
